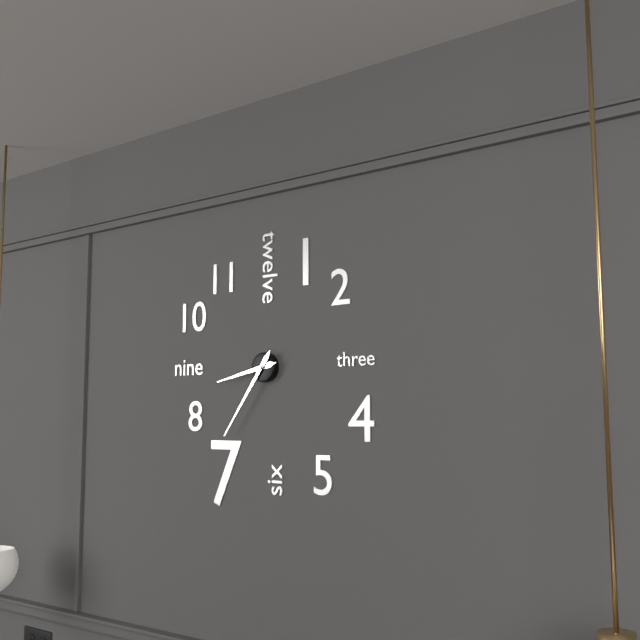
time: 8:36
